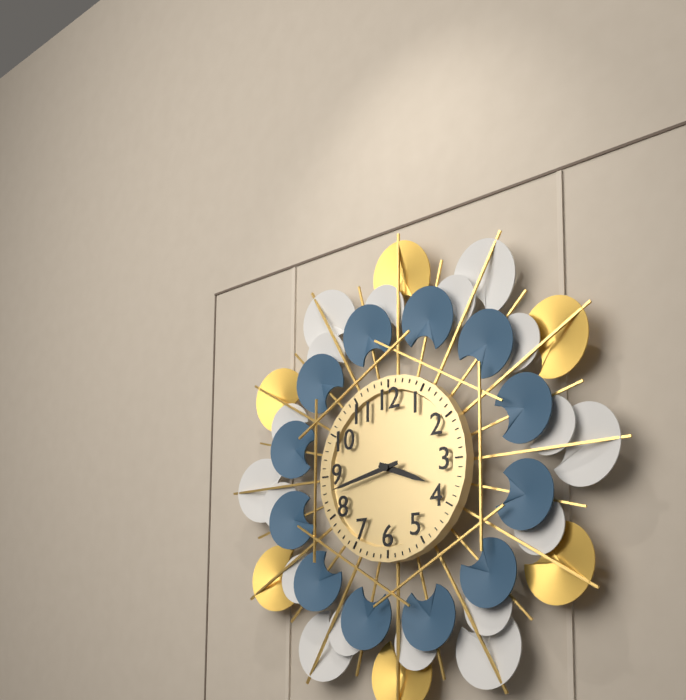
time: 3:43
